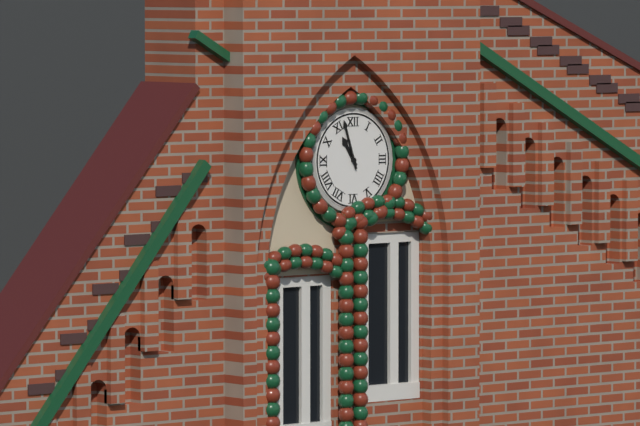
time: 10:57
